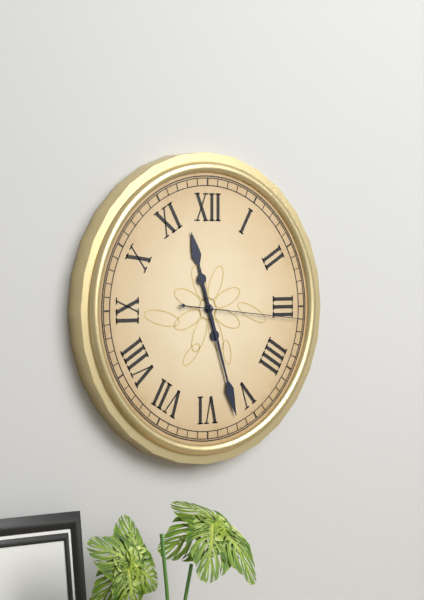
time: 11:27:16
